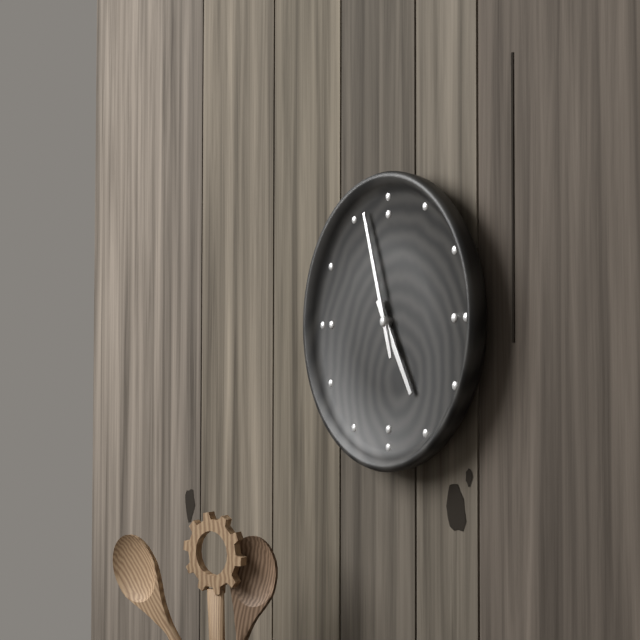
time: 4:57
